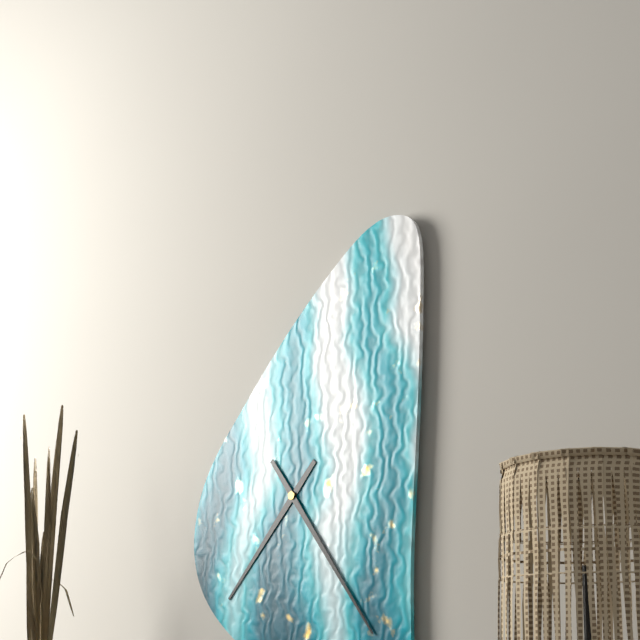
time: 7:24
